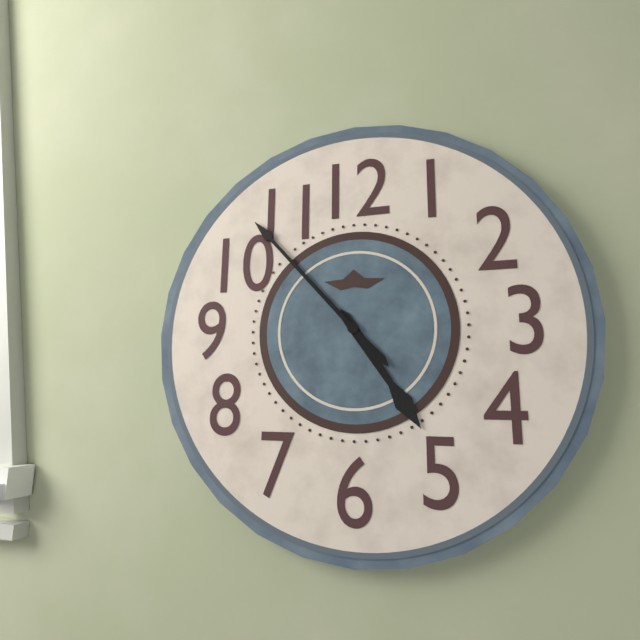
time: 4:53
